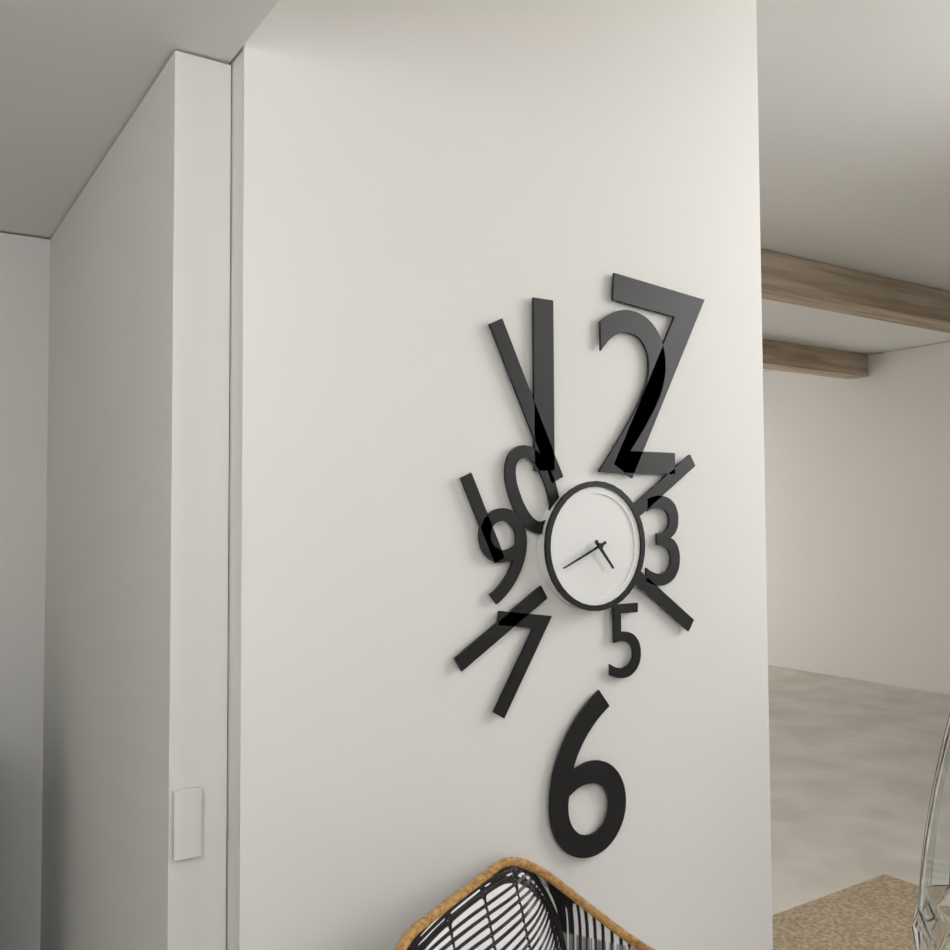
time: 4:41
